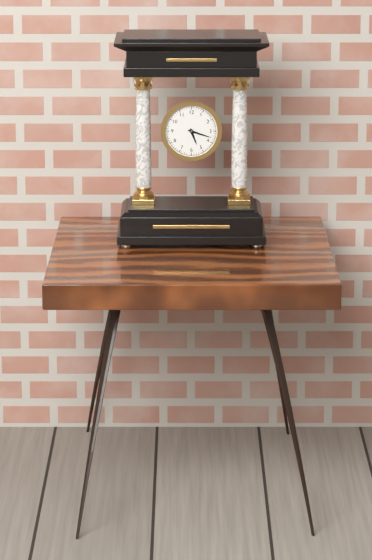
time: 5:18
